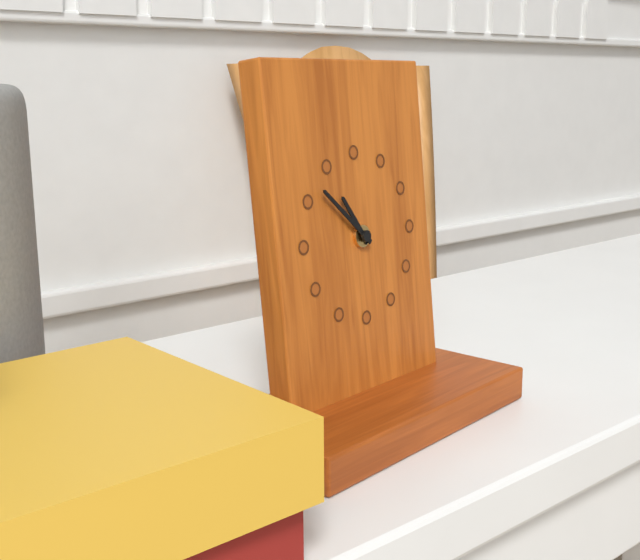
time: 10:52
